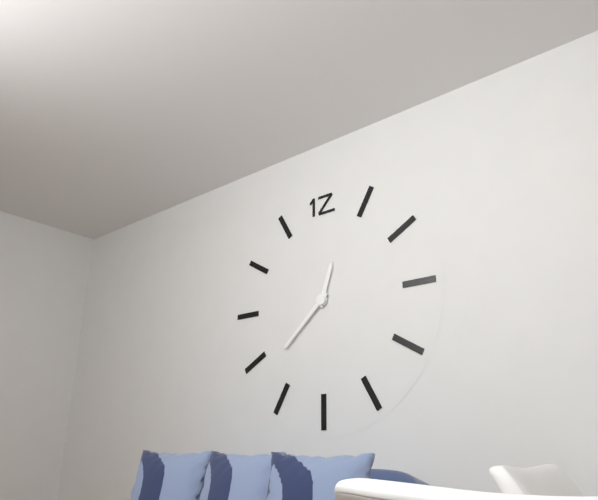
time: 12:38
